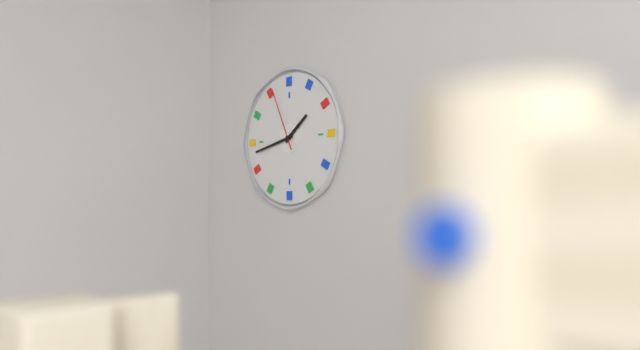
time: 1:43:56
